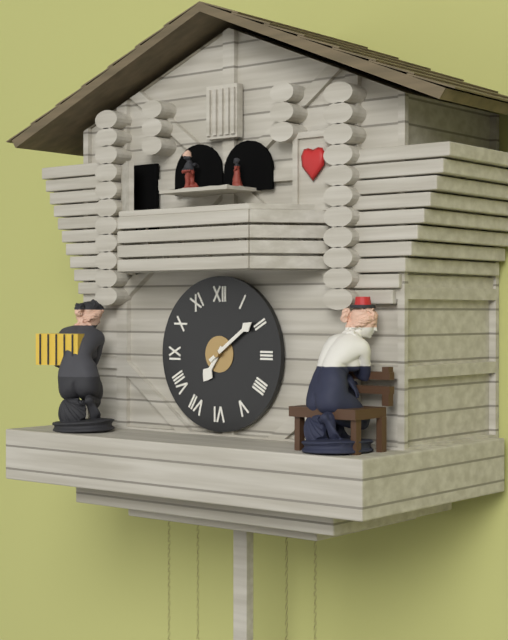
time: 7:09
